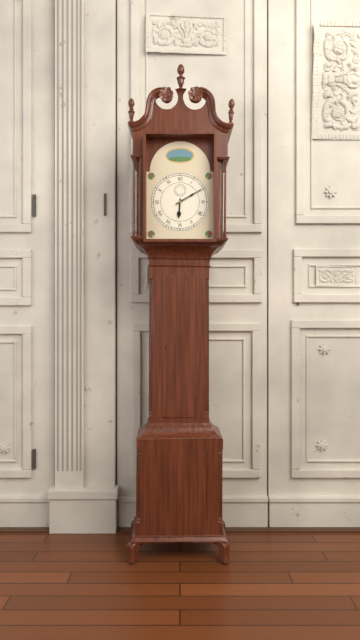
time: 6:10
